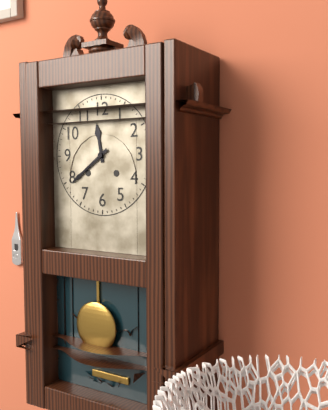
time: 11:39
